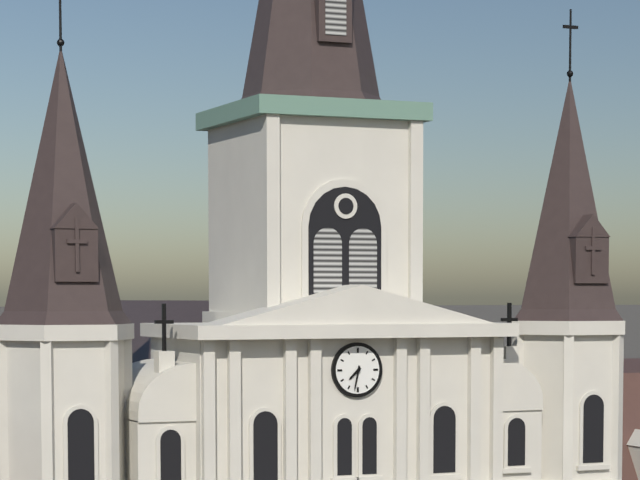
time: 7:32
